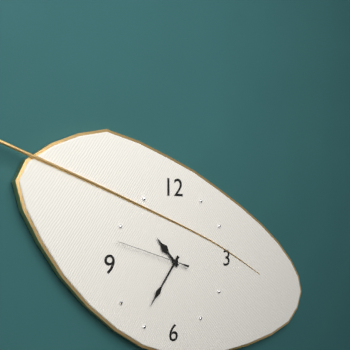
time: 10:36:48
